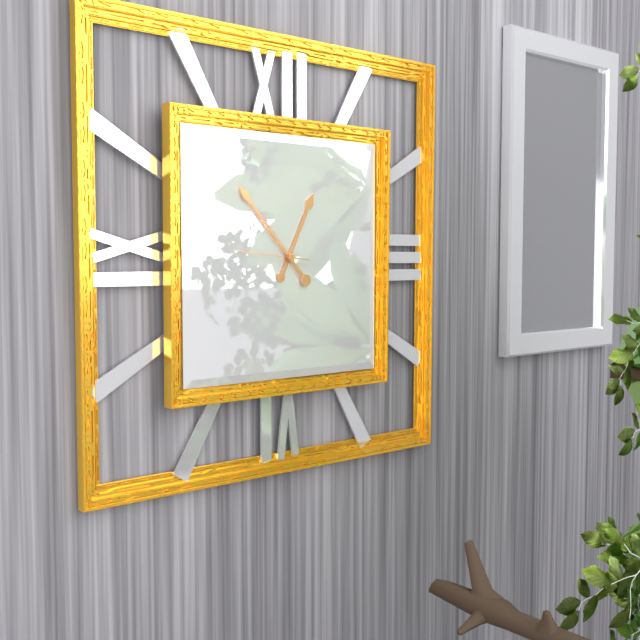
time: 12:53:46
